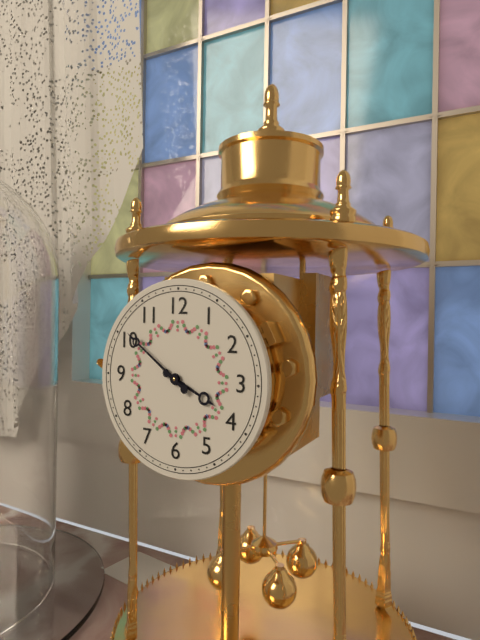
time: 3:51
